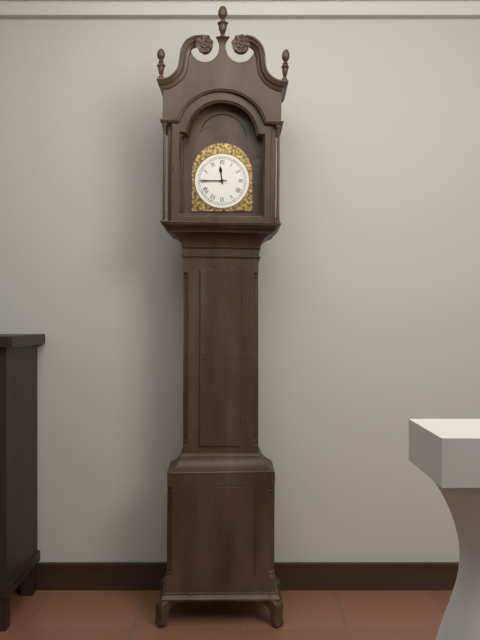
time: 11:45
